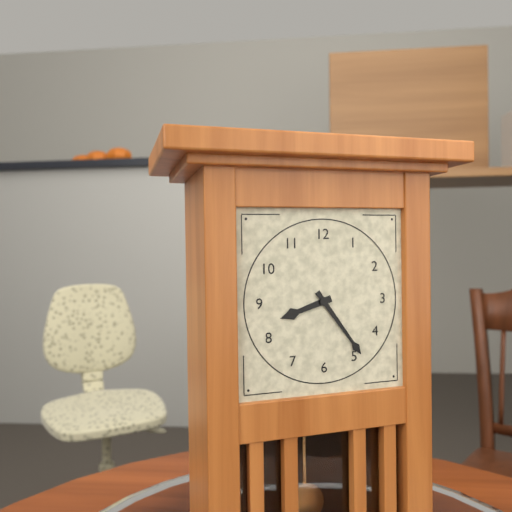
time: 8:24
